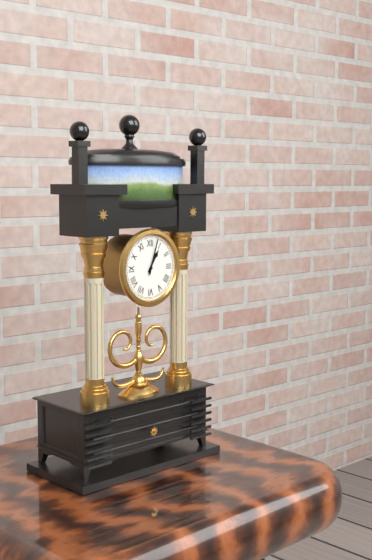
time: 1:03
